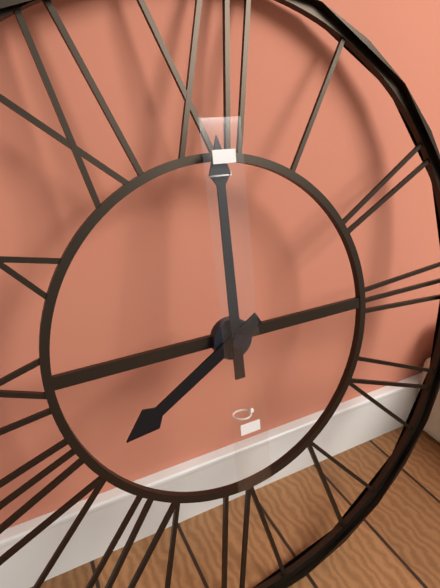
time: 8:00
